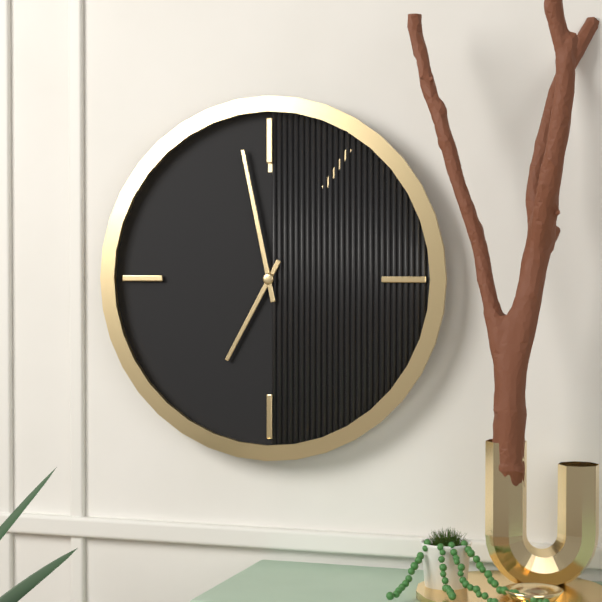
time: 6:58
